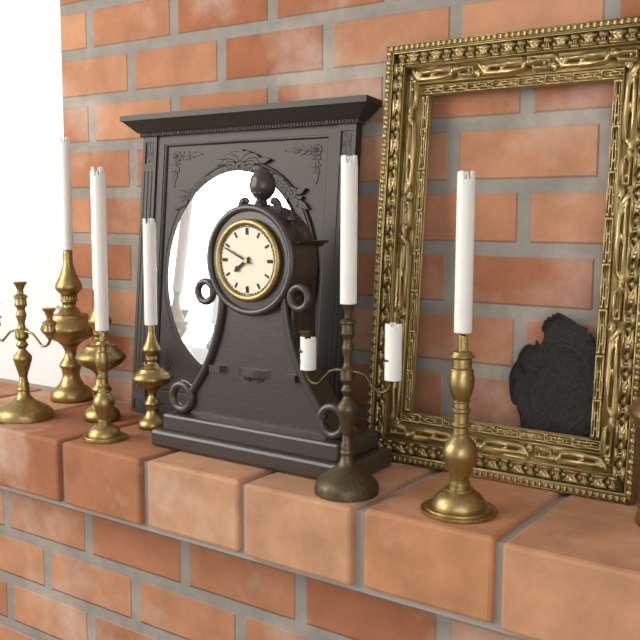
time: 7:49
